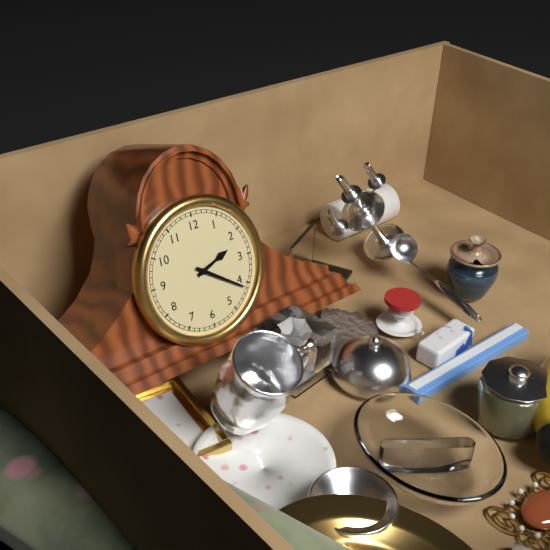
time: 2:21
